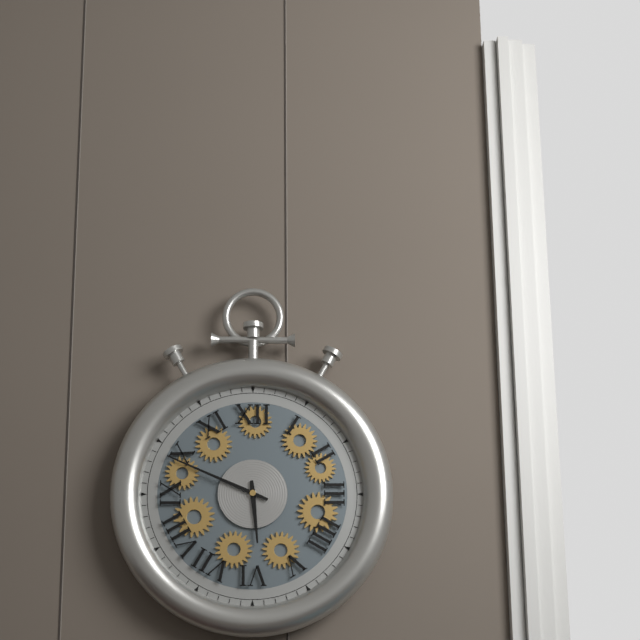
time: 5:49
